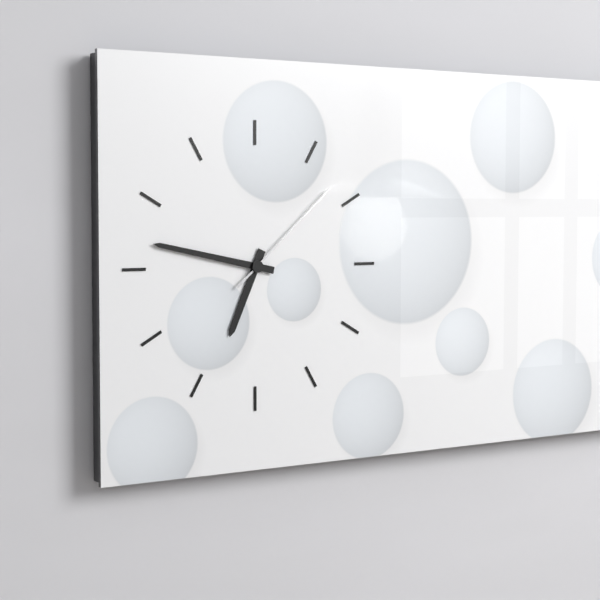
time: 6:47:08
